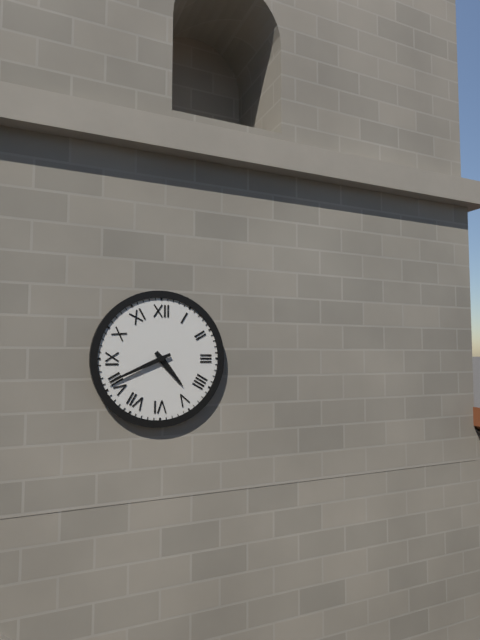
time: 4:41
